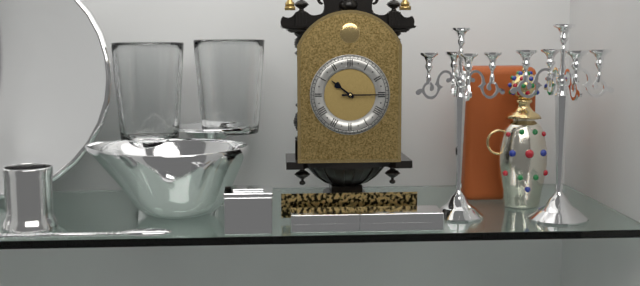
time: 10:15
